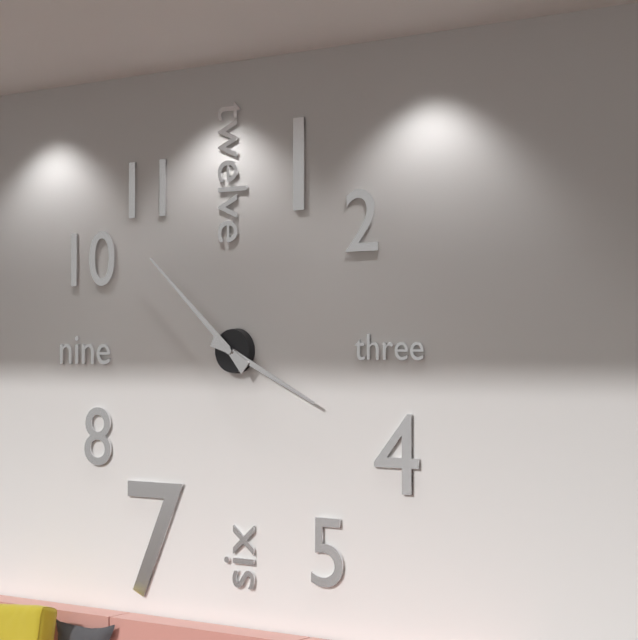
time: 3:52
